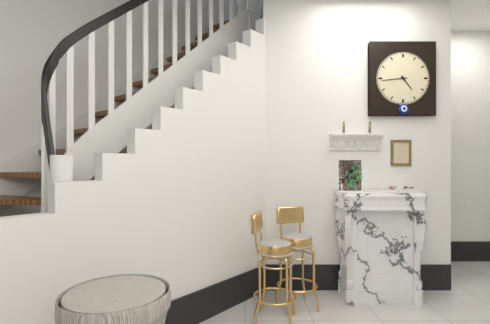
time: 4:44
